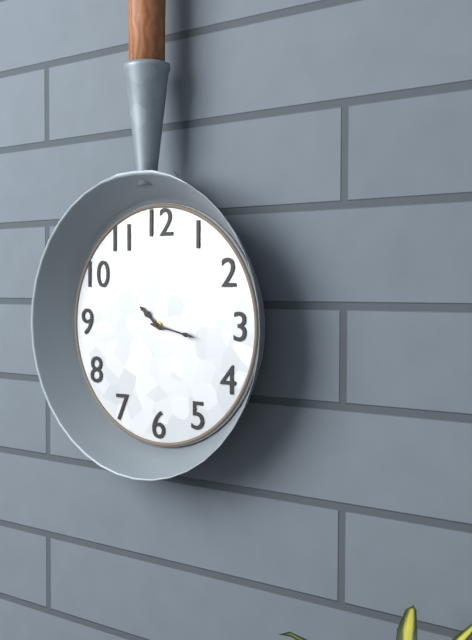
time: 10:17
